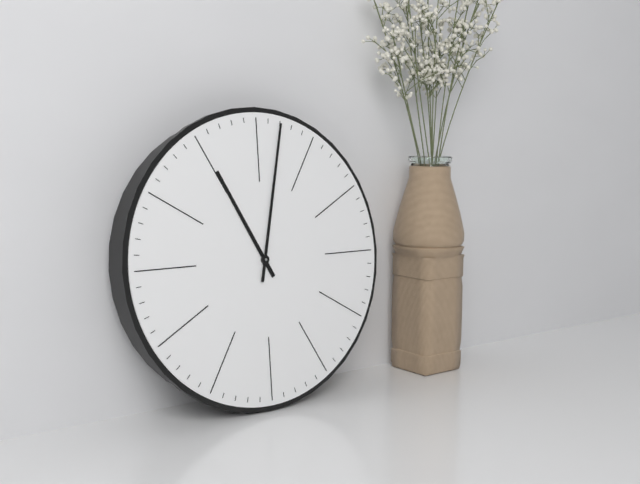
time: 11:02
